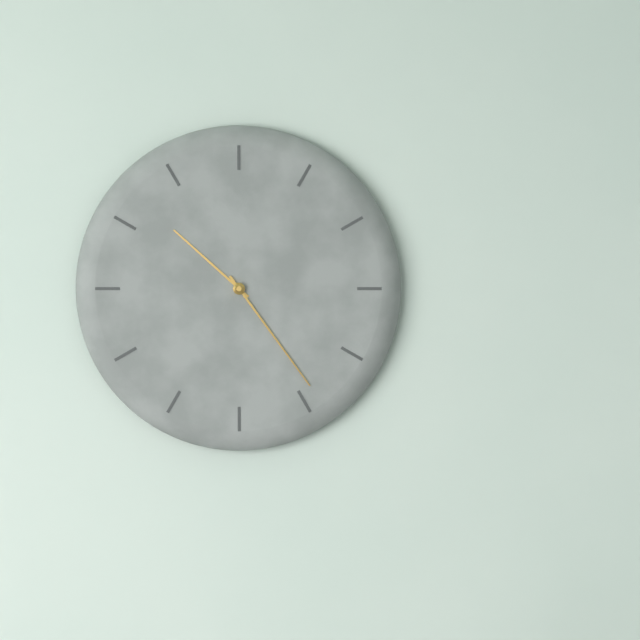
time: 10:24
